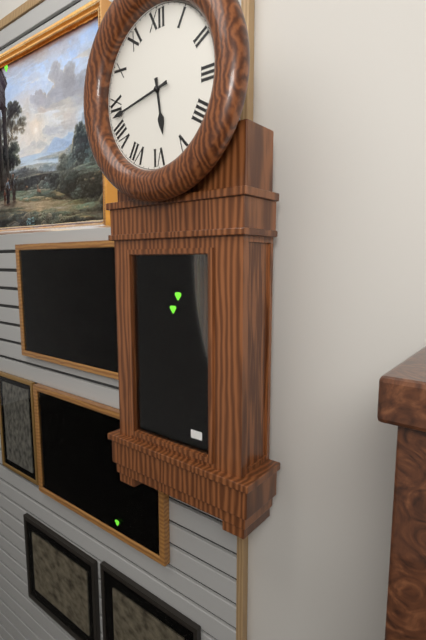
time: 5:43
